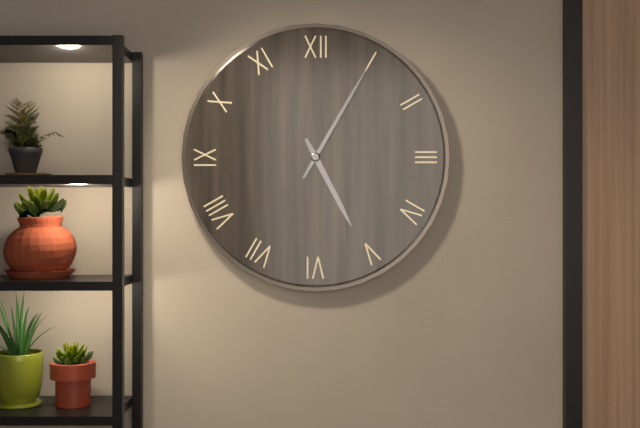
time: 5:05
